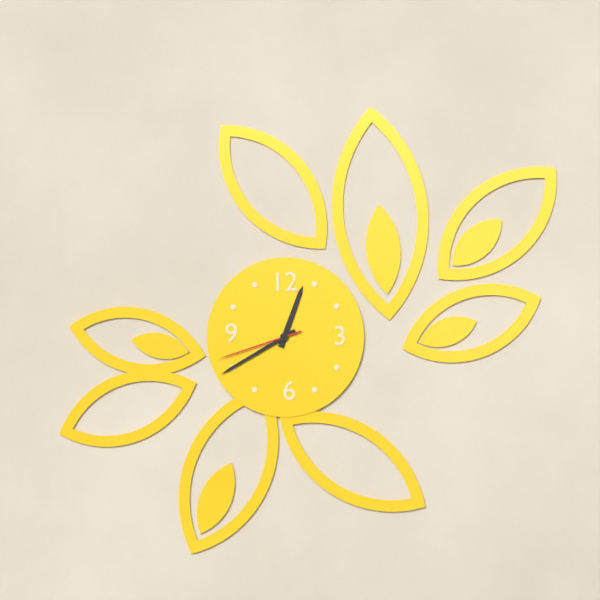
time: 12:40:42
